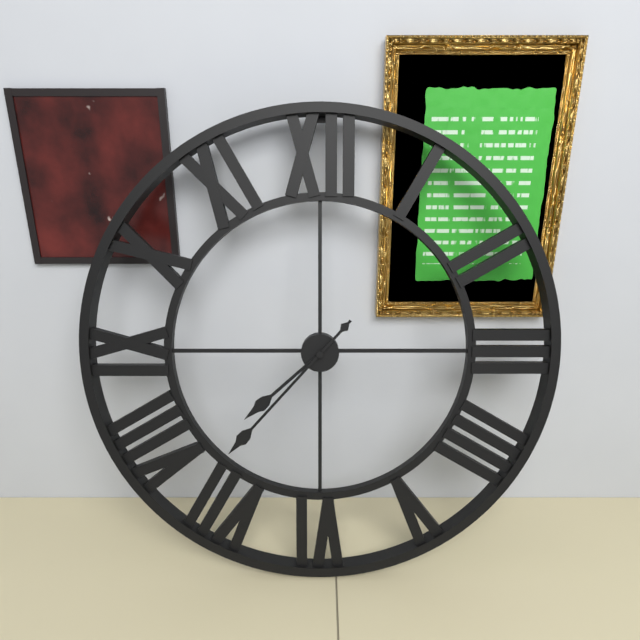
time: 7:37
